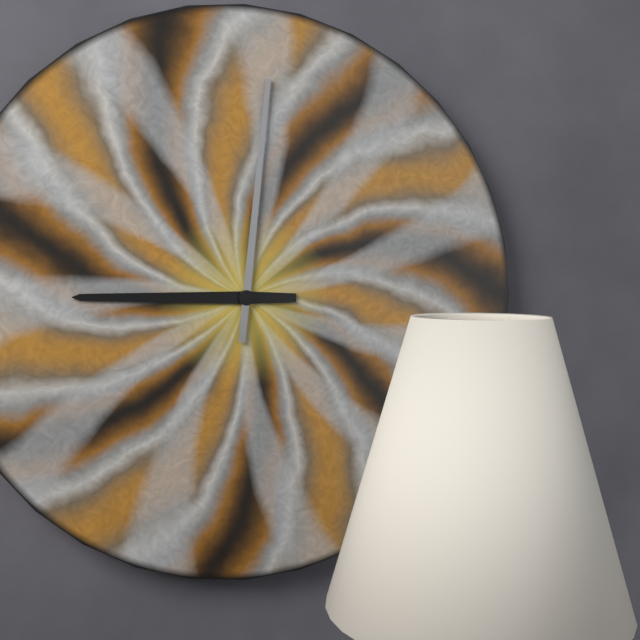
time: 9:01
